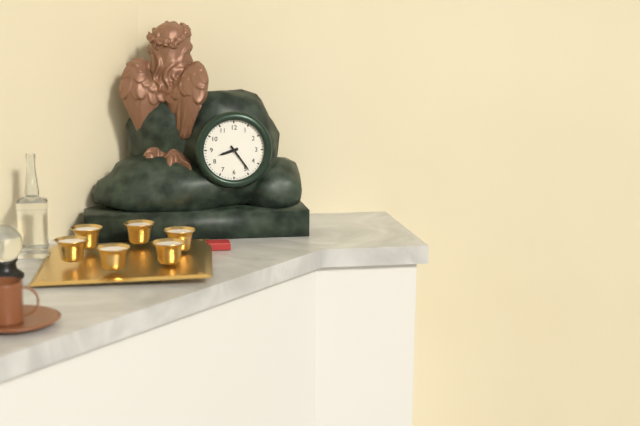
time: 8:24
